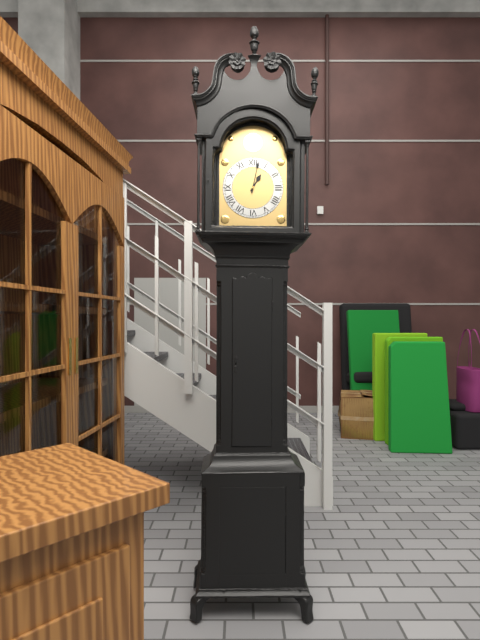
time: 1:02
